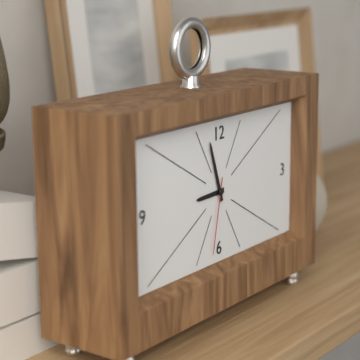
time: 8:57:32
